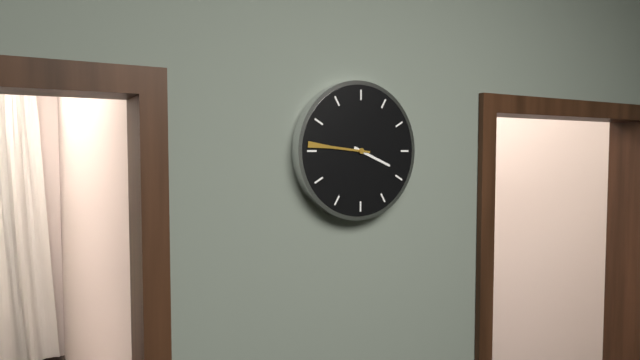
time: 3:46
